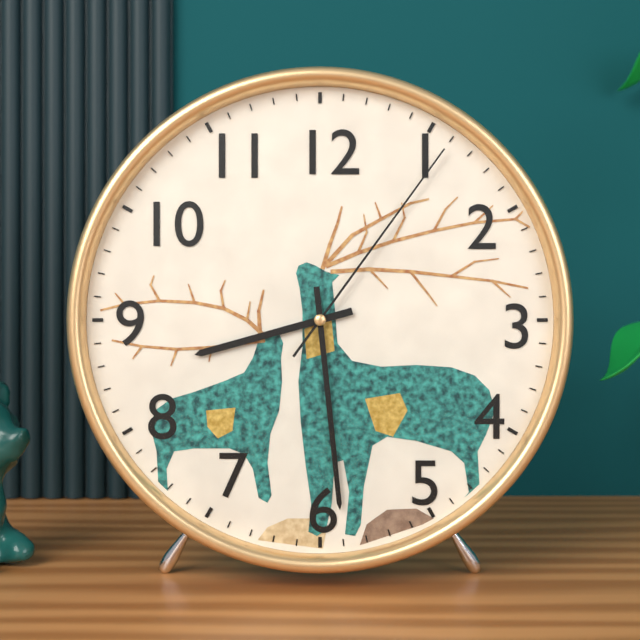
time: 8:29:06
